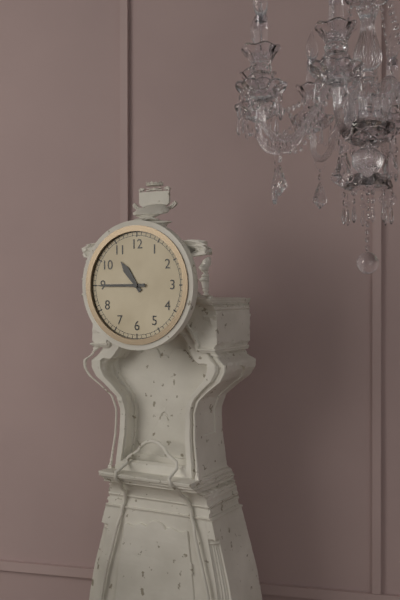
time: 10:45
